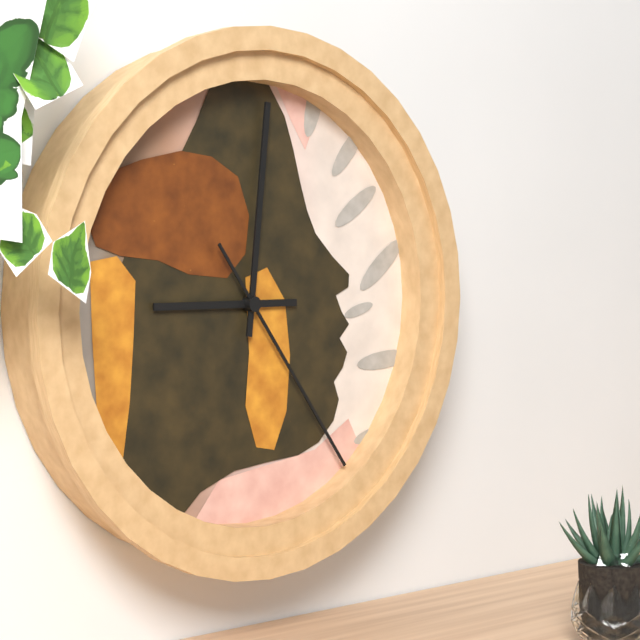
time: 9:01:24
